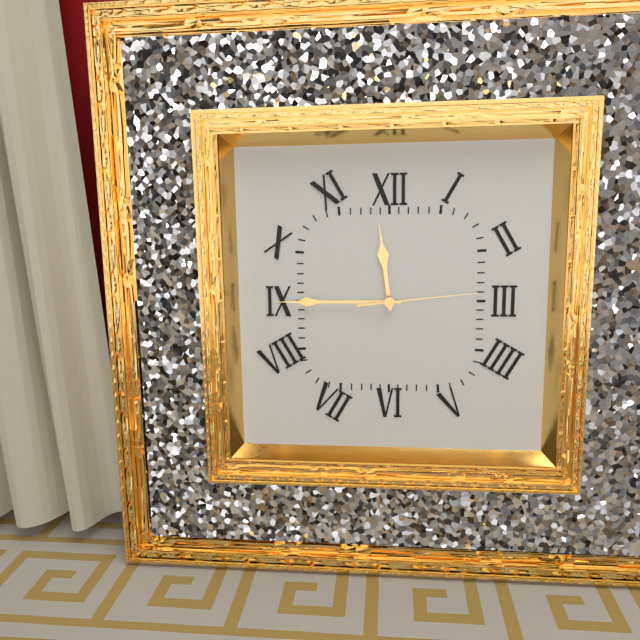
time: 11:45:14
